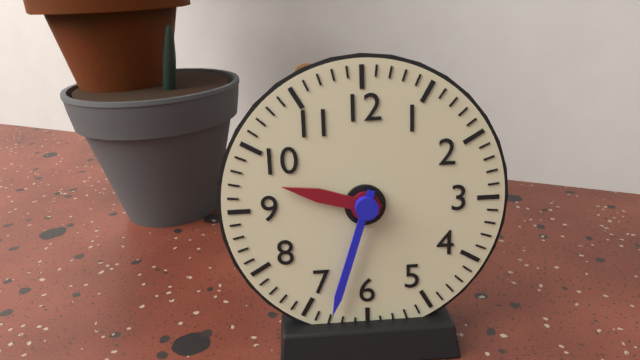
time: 9:33
